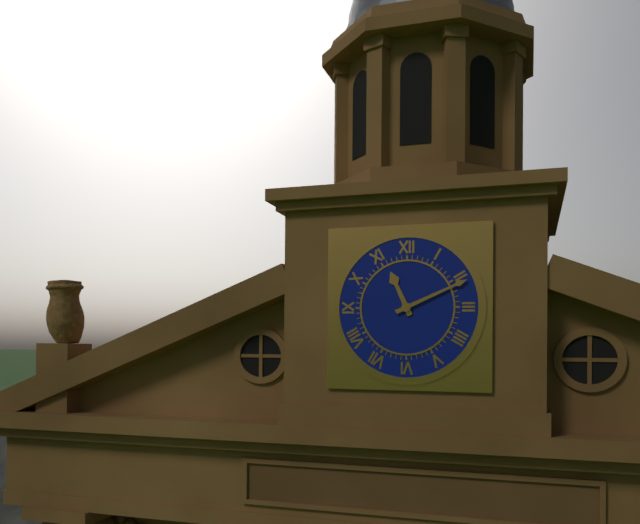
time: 11:11
